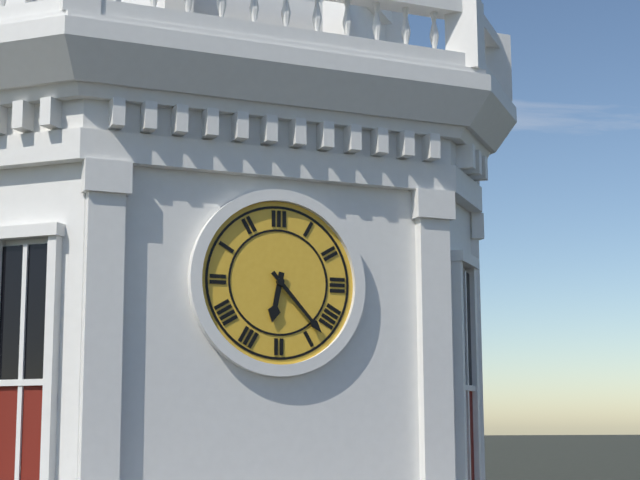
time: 6:23
